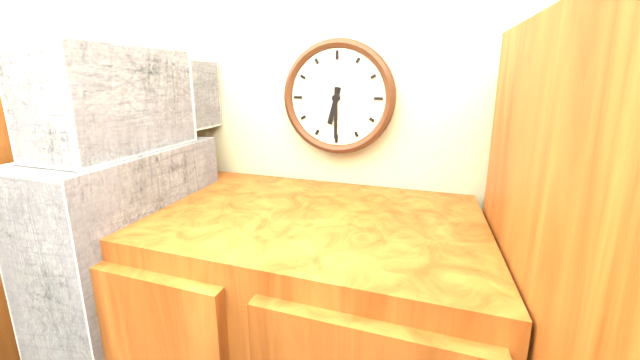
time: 6:30
